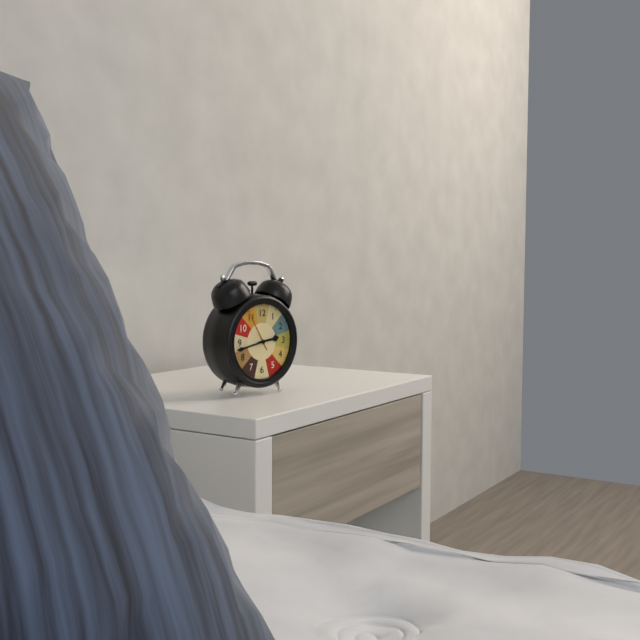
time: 2:43
